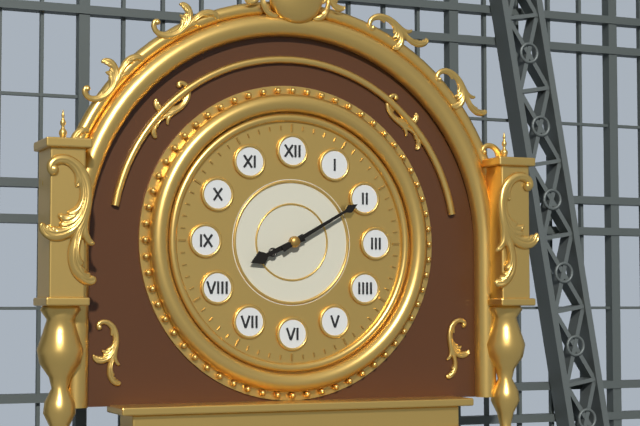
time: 8:10
